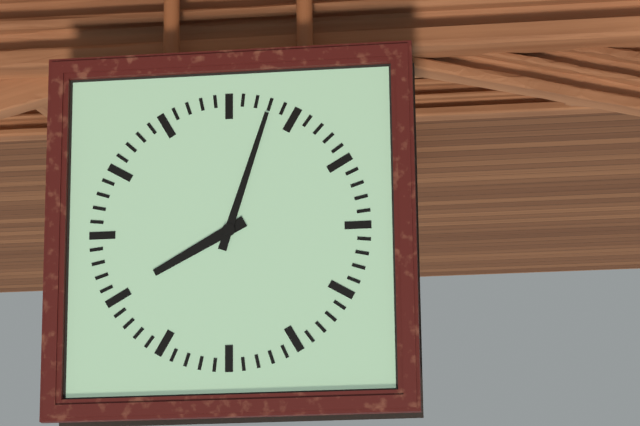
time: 8:03
